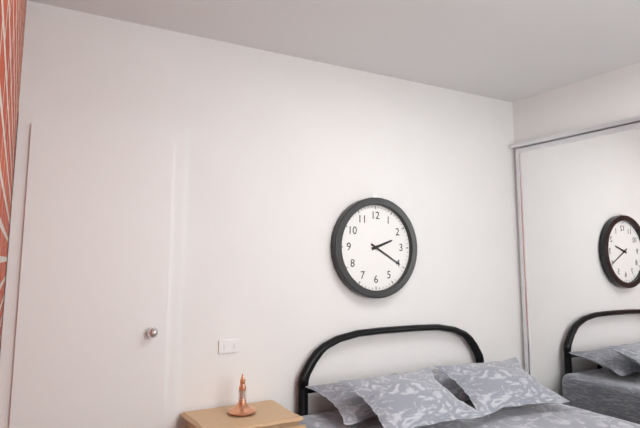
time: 2:20
